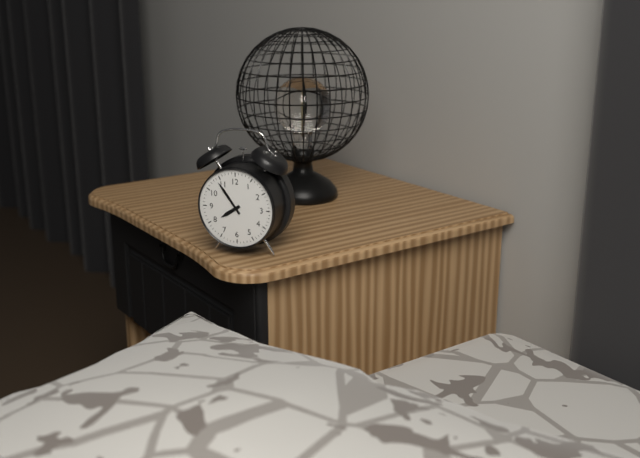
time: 7:54
